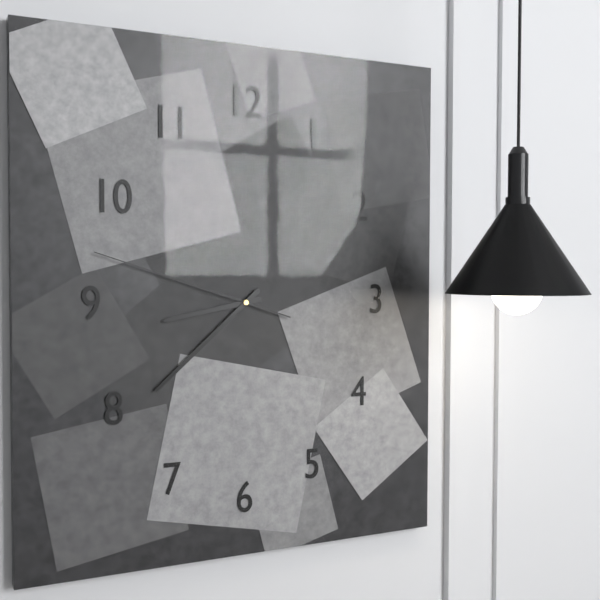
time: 8:38:48
